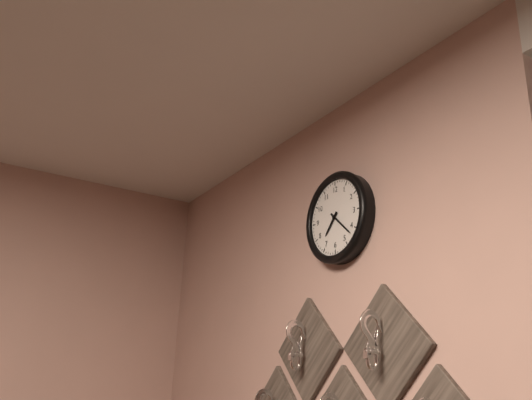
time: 7:22
